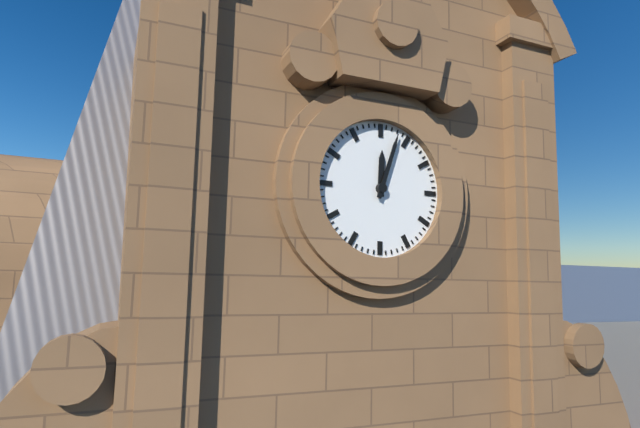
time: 12:03
